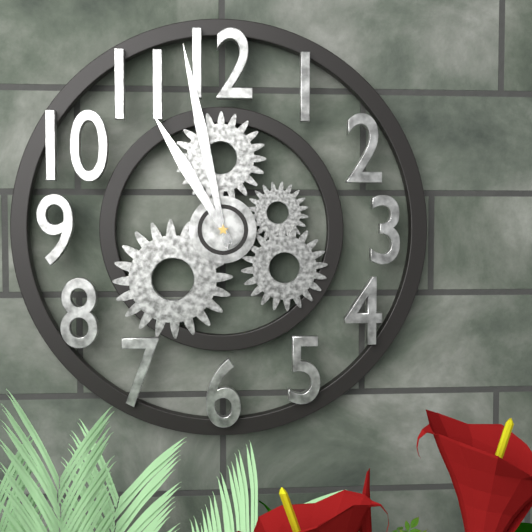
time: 10:58
